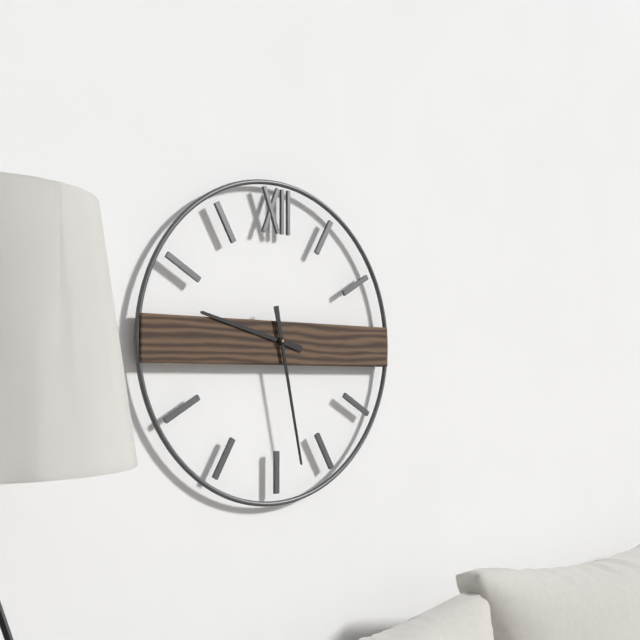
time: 9:28
